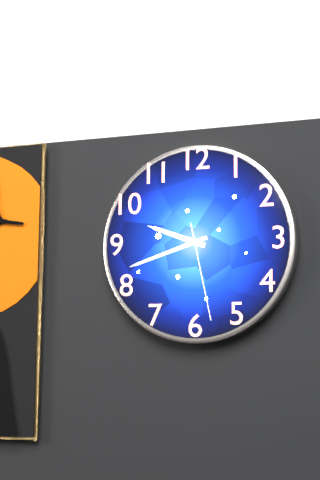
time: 9:42:28
